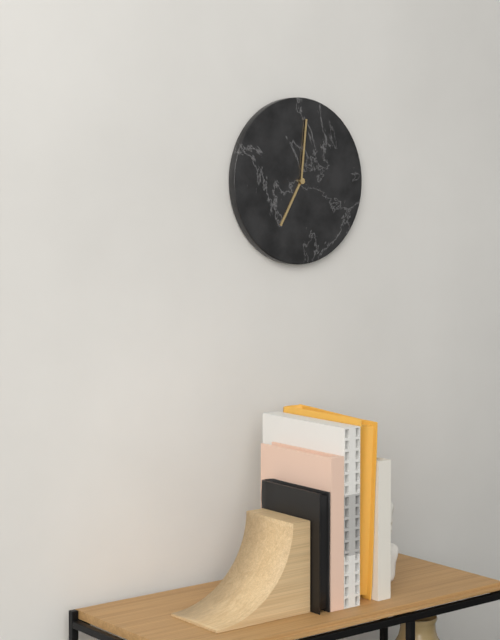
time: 7:01
